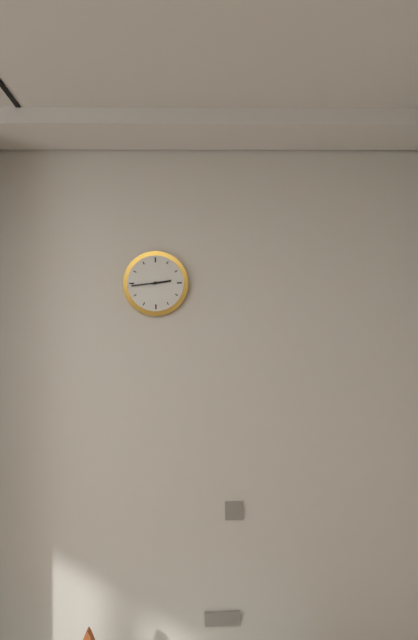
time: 2:44
